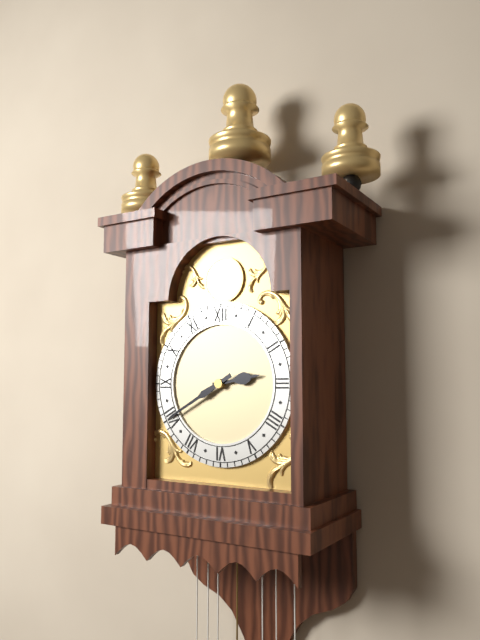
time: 2:40
